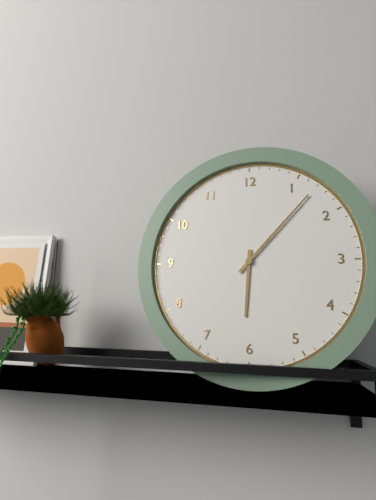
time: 6:07
